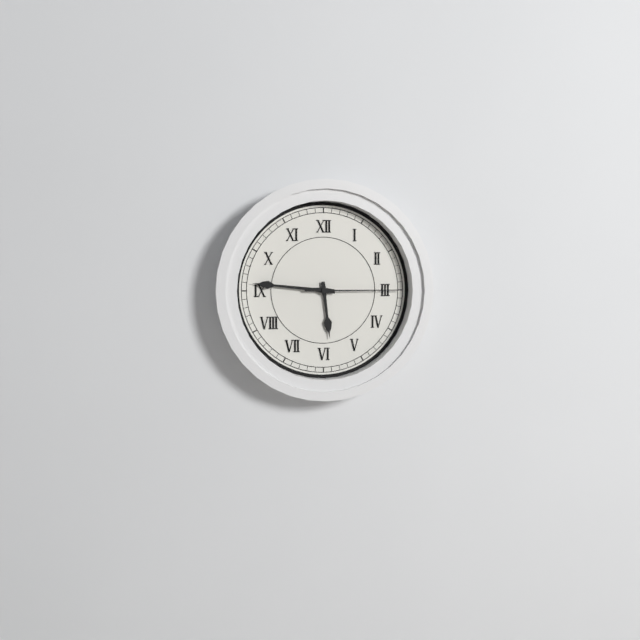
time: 5:46:15
